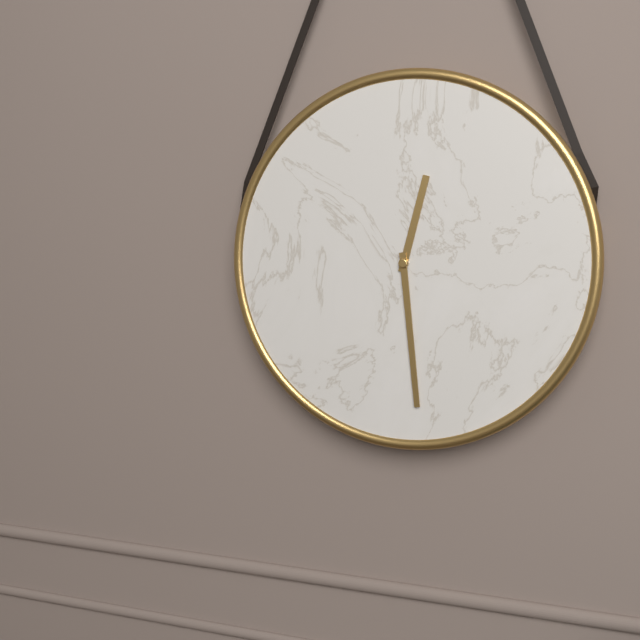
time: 12:29
